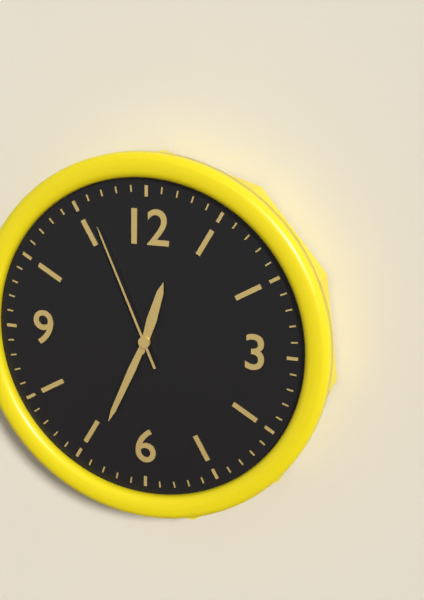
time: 12:34:56
